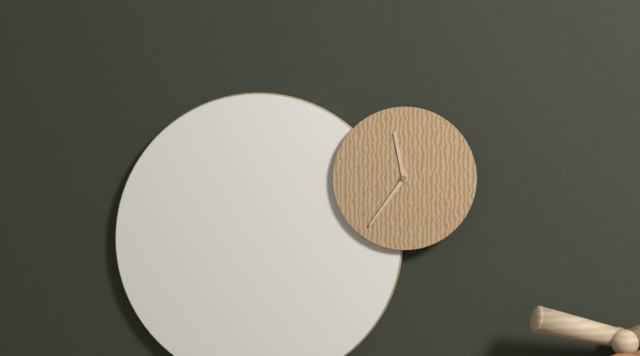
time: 11:36
